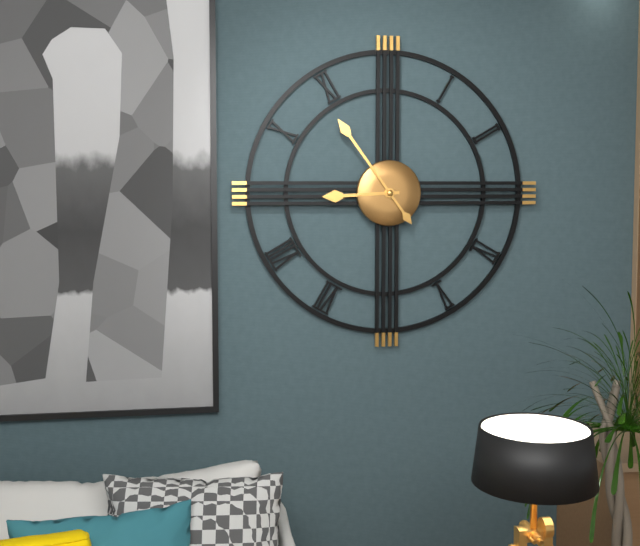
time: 8:54
